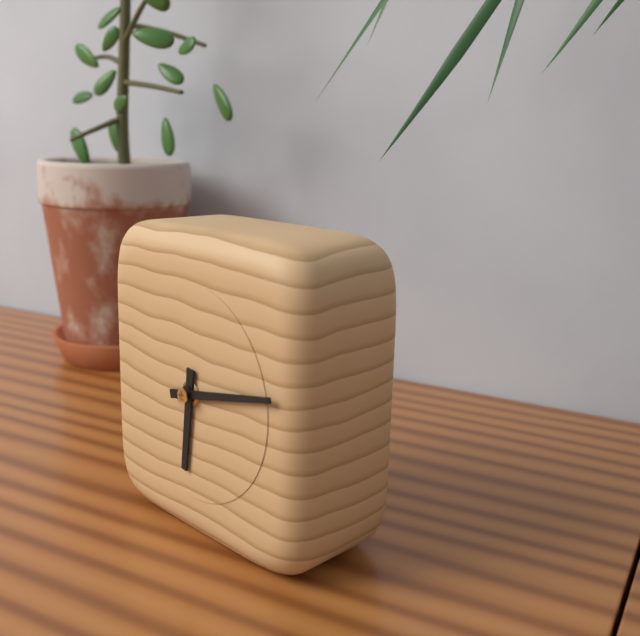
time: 6:13
